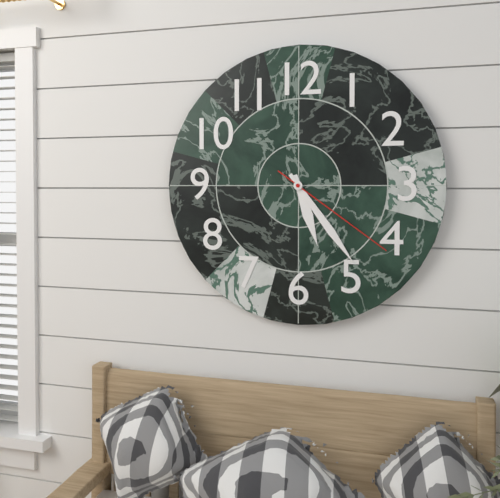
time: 5:24:21
